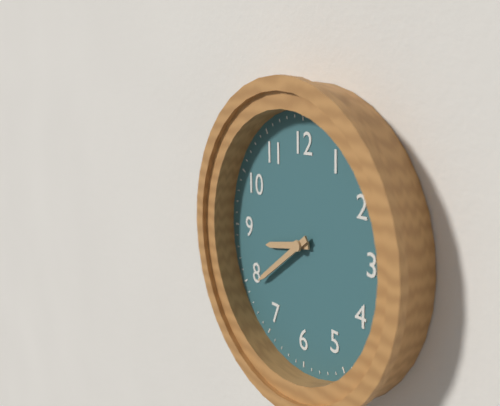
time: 8:39
